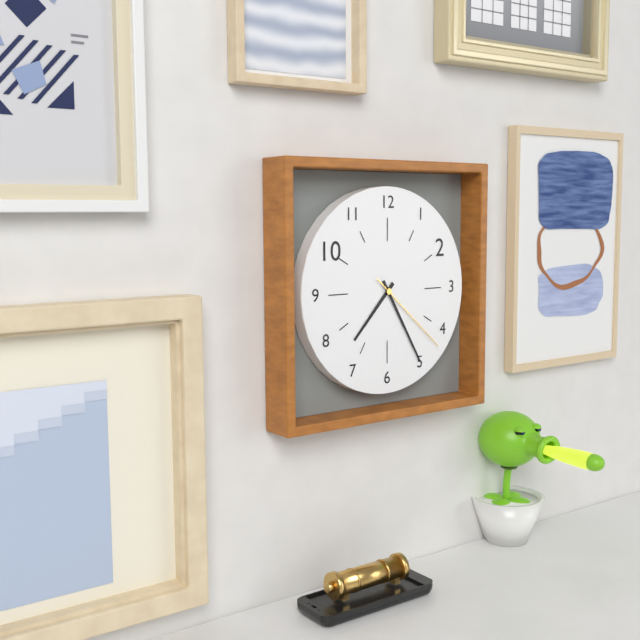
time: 7:25:22
